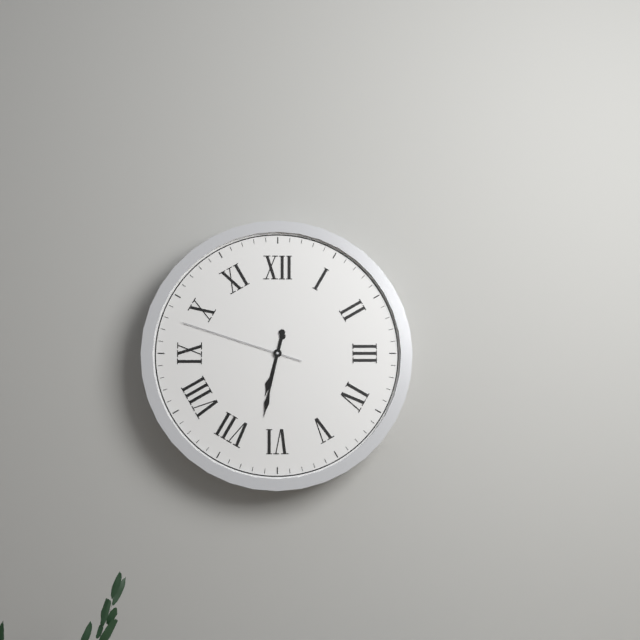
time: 6:32:48
